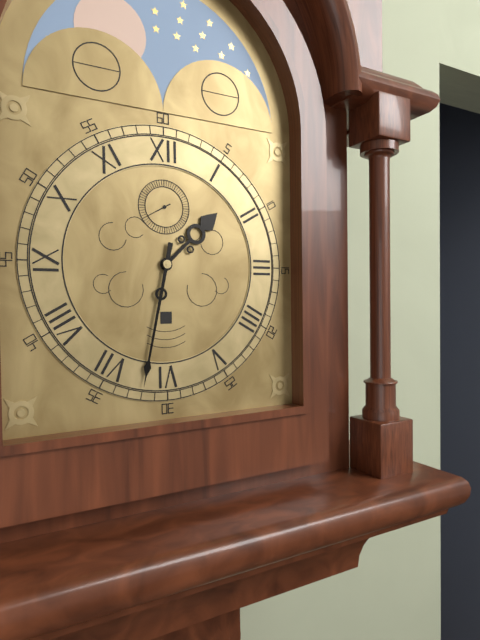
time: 1:32
